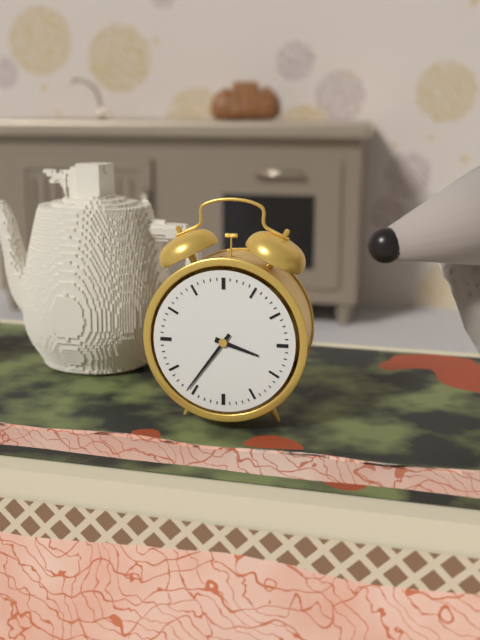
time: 3:36
